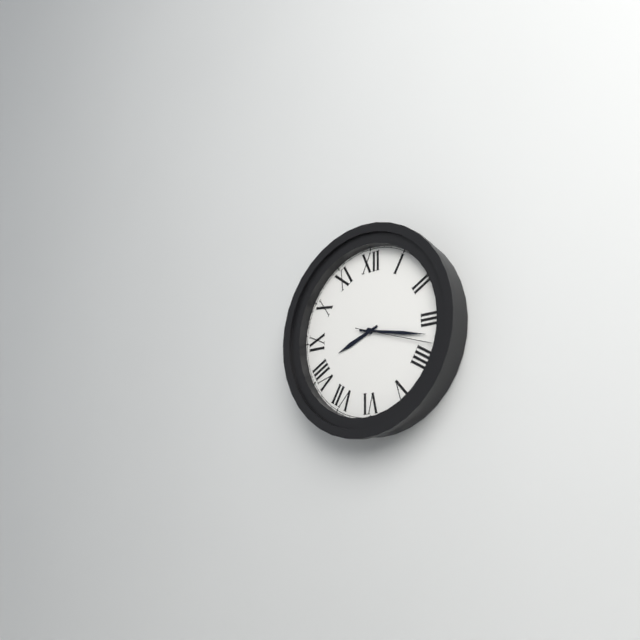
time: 8:17:18
